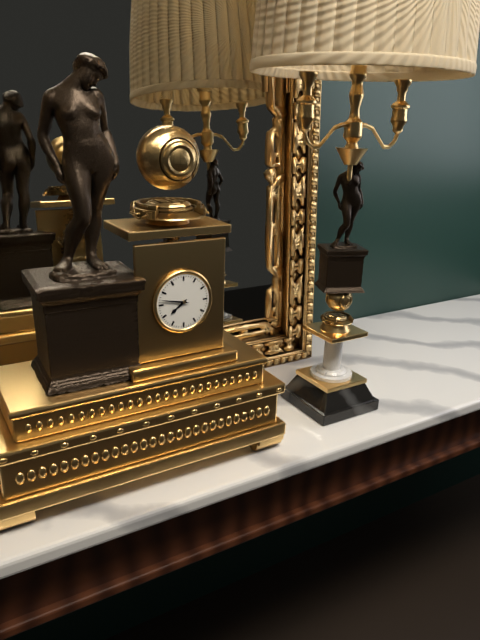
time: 7:47
